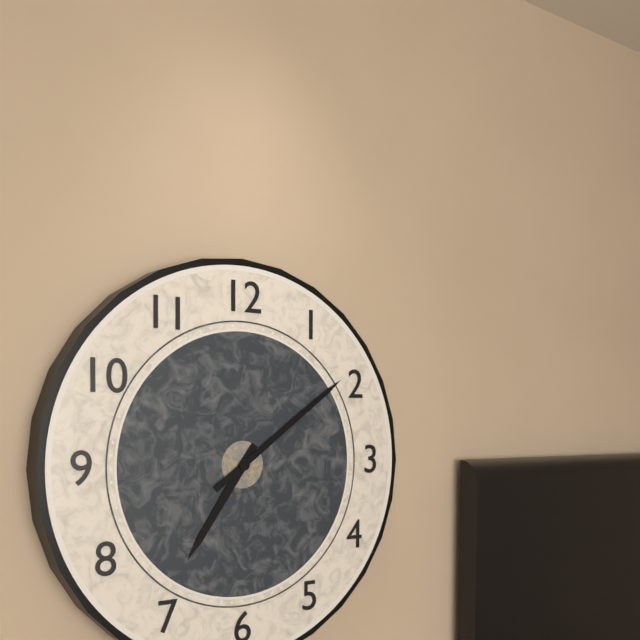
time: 7:09
